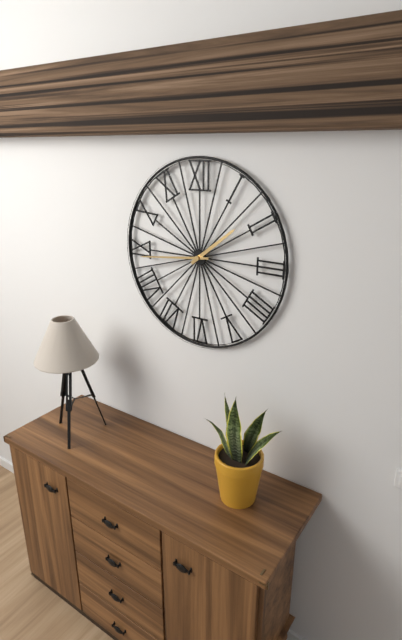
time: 1:44
